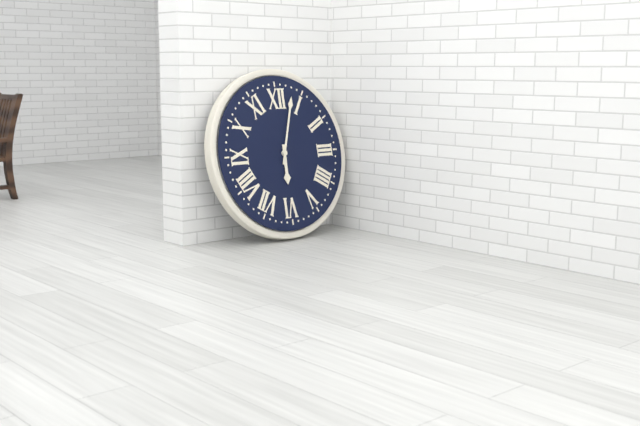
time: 6:03
